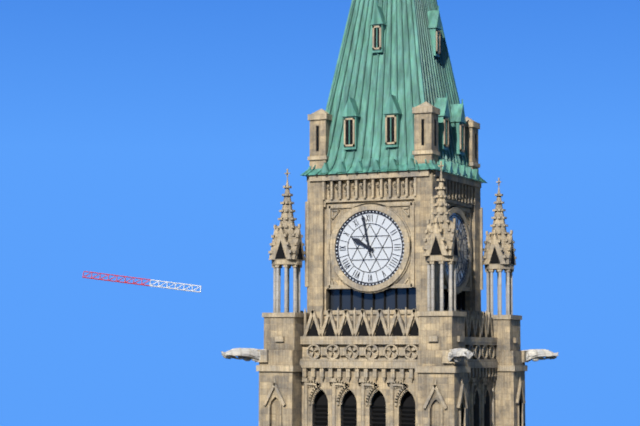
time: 9:58
